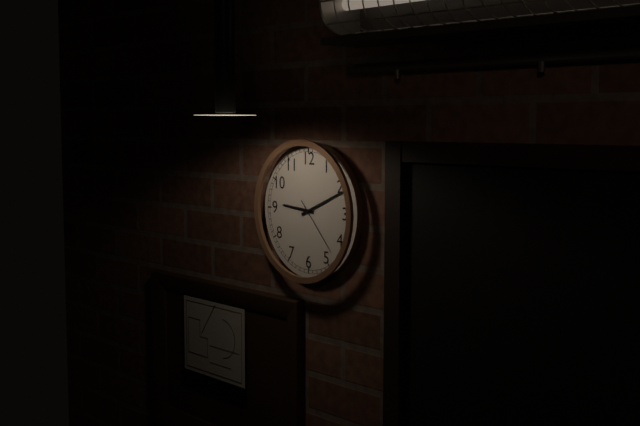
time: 9:11:23
